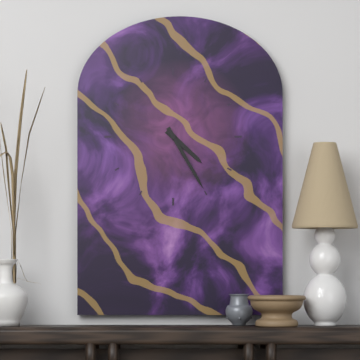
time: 4:25
